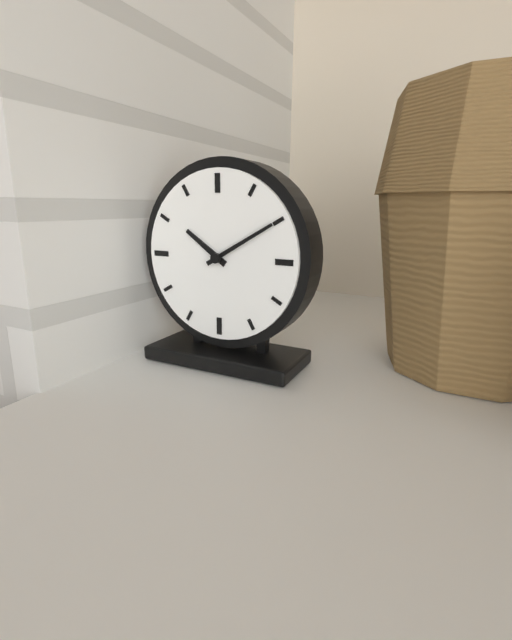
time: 10:10
